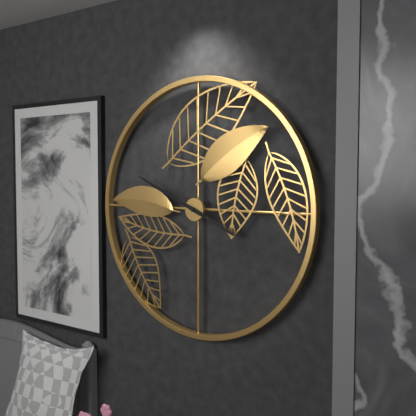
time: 3:49
